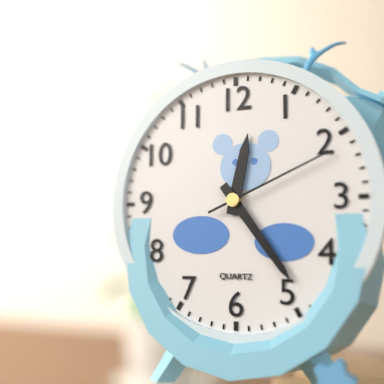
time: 12:24:11
